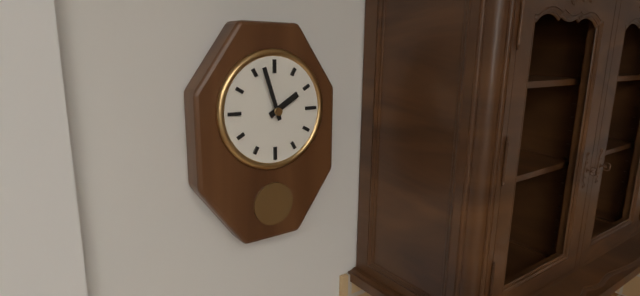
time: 1:57
